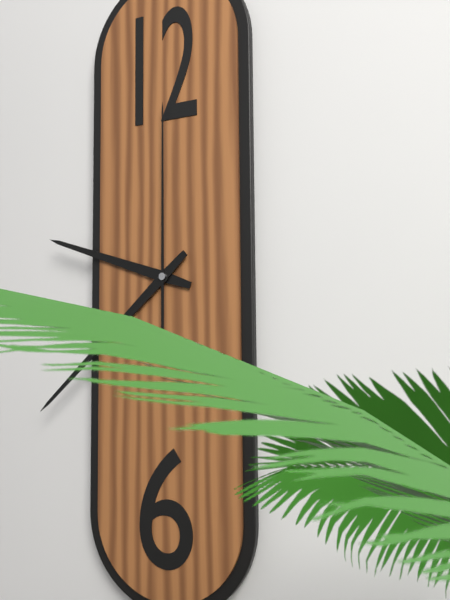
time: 9:38:00
